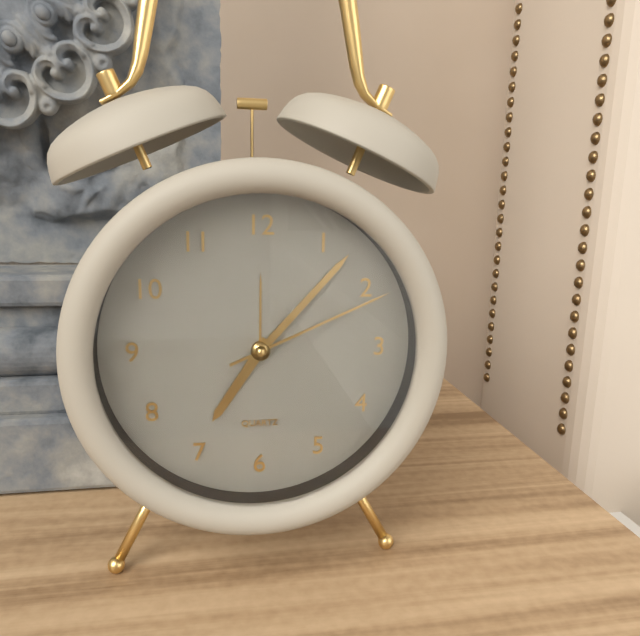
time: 7:07:11
